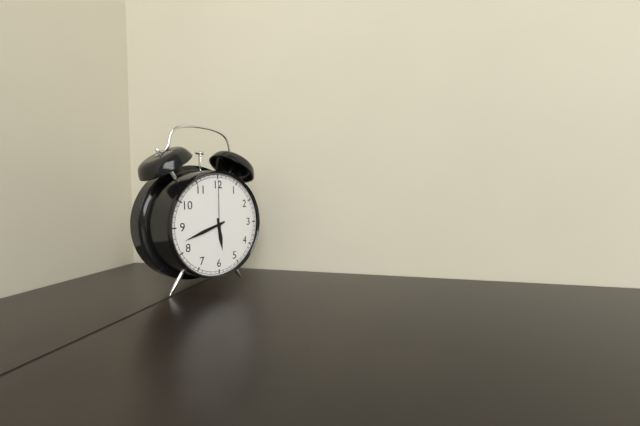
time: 5:42:00
